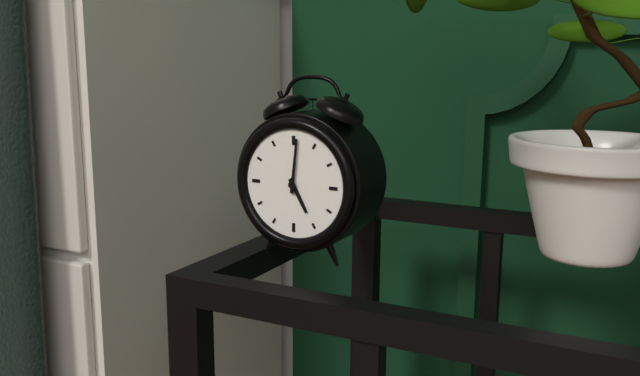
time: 5:01
